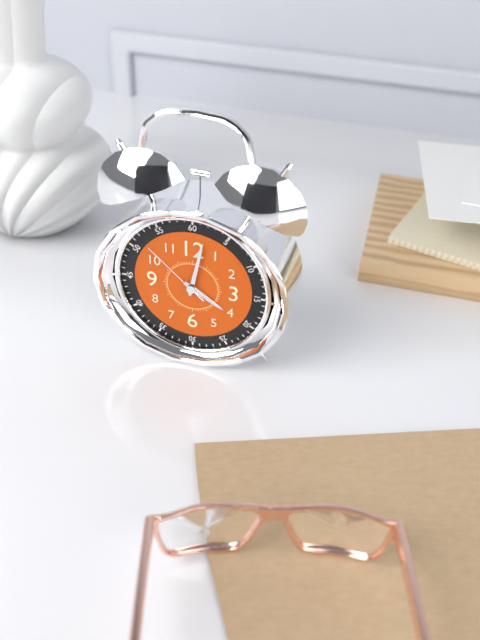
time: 4:02:52
